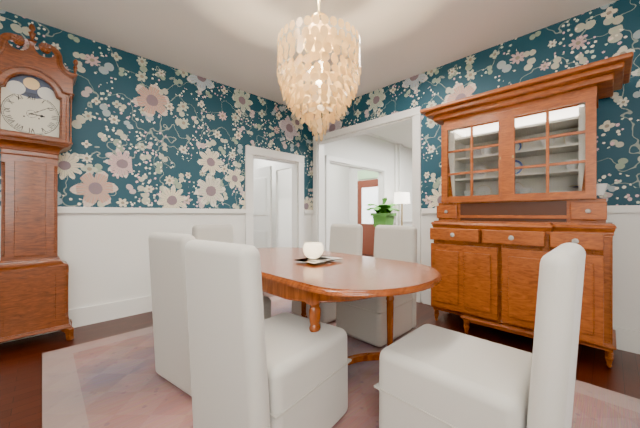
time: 3:09
